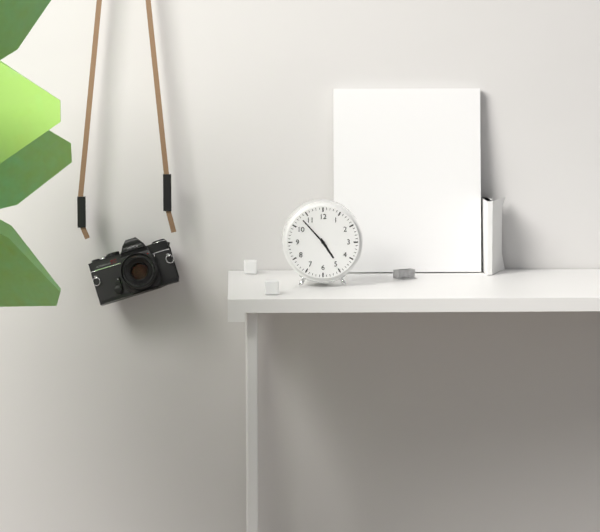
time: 4:53
